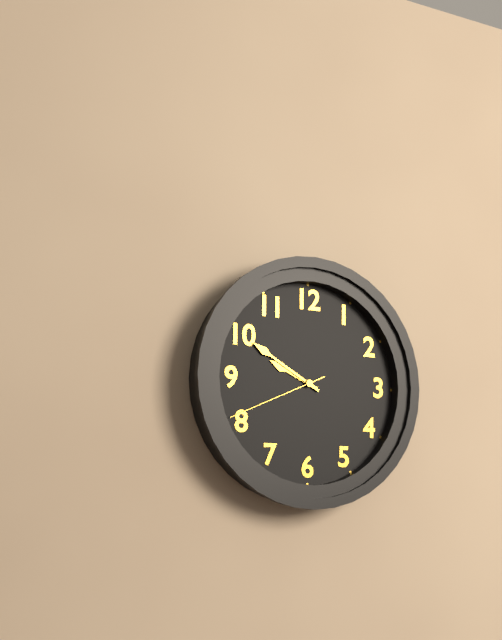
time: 9:50:41
